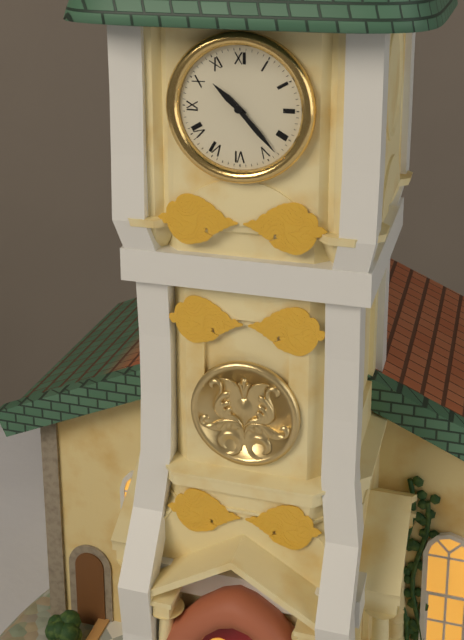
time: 10:23
